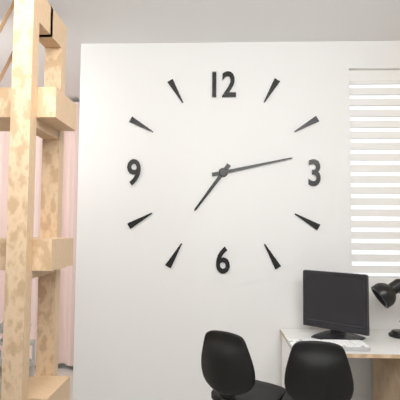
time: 7:13
